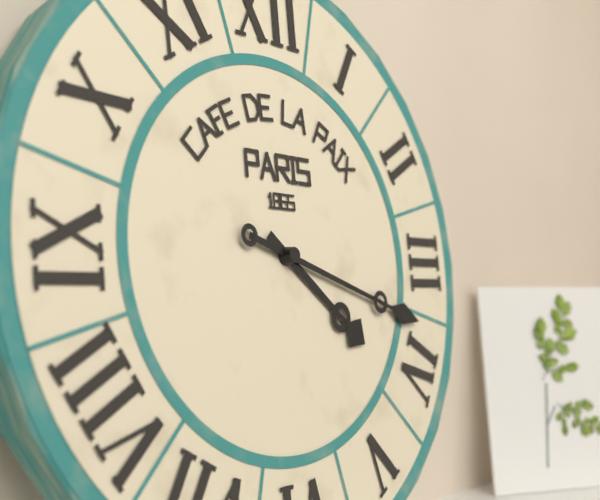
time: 4:18
